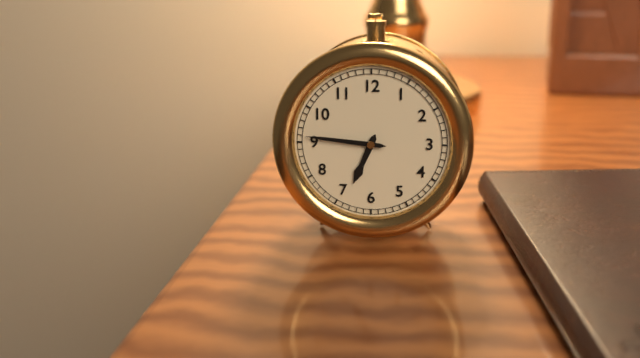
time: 6:46
